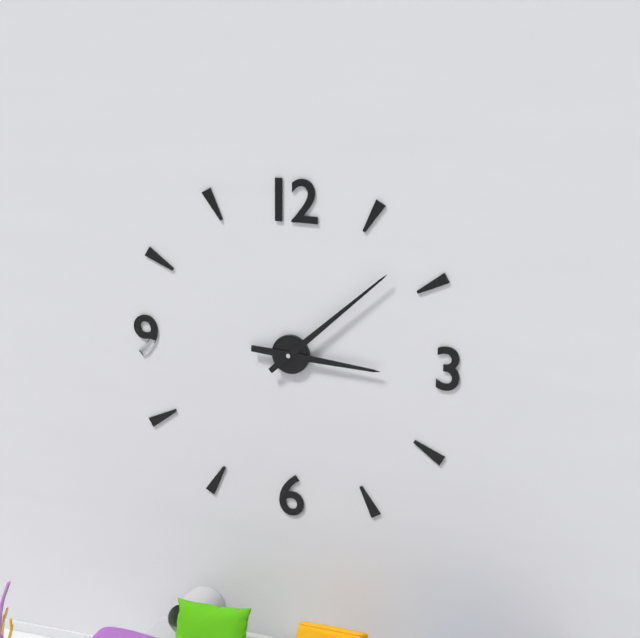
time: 3:08
